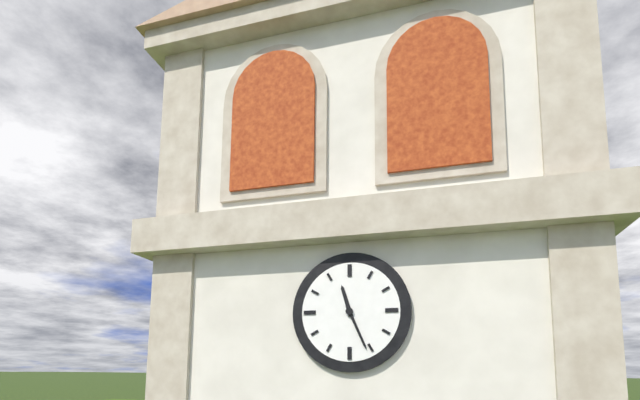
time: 11:26
